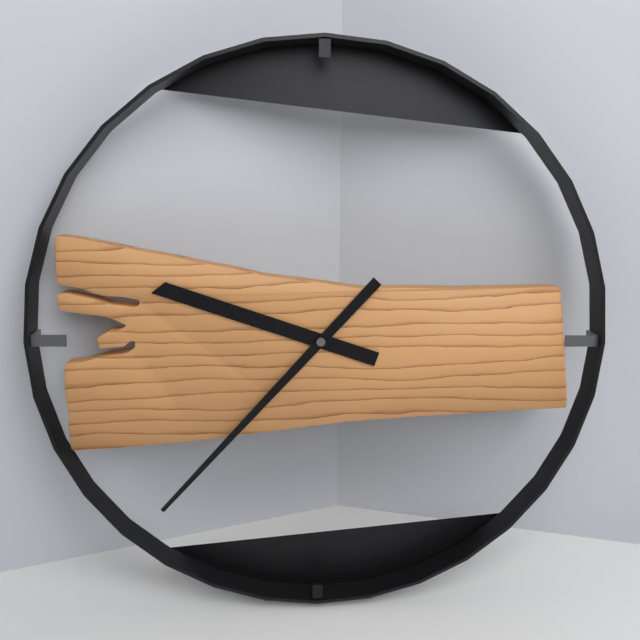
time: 9:37
